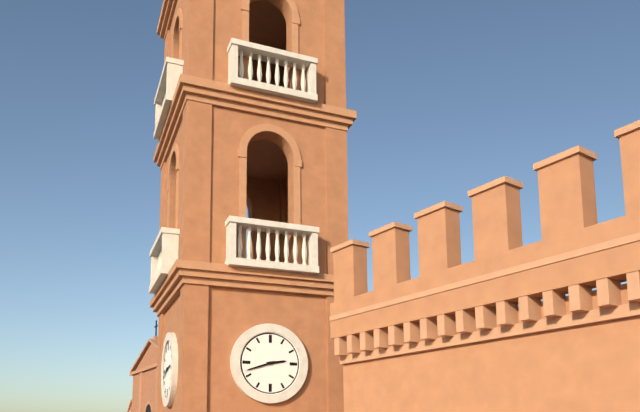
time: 2:42
